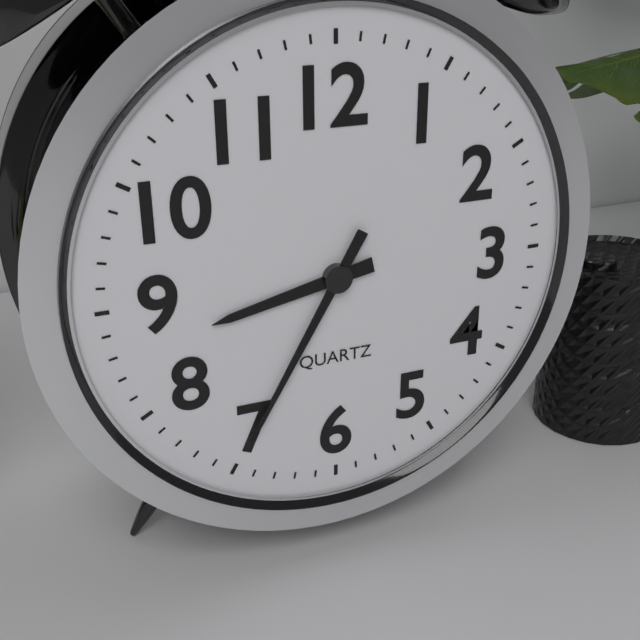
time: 8:35
